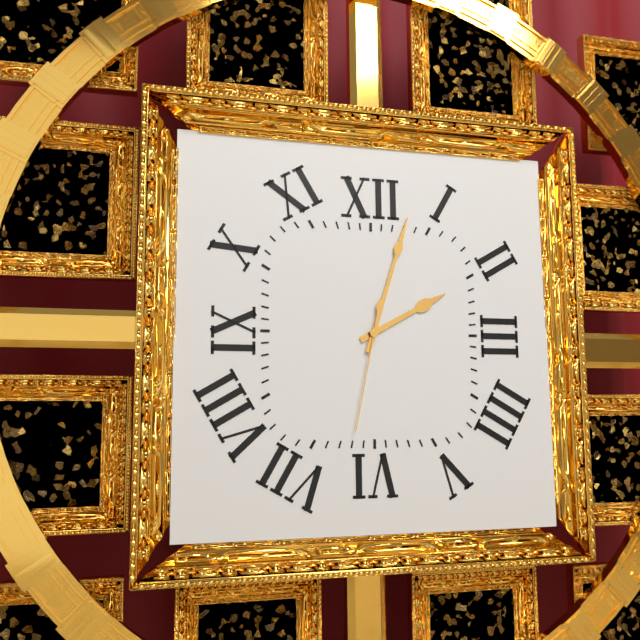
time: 2:03:32
